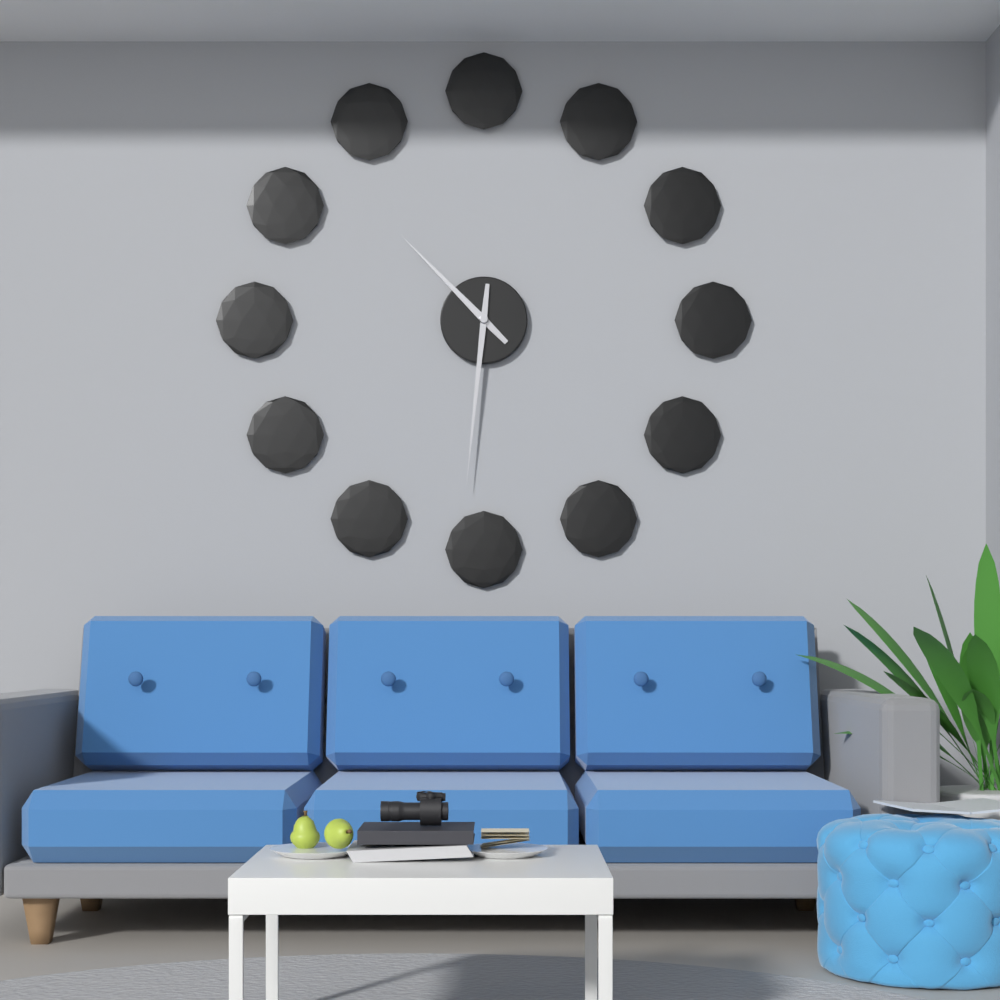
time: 10:31
